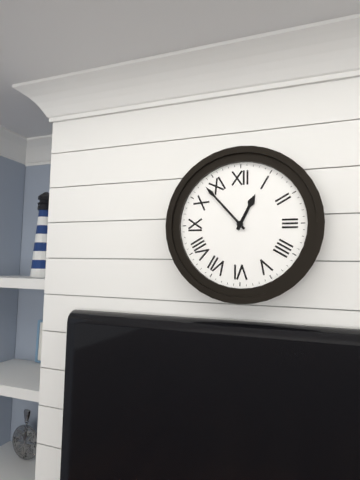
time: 12:53
